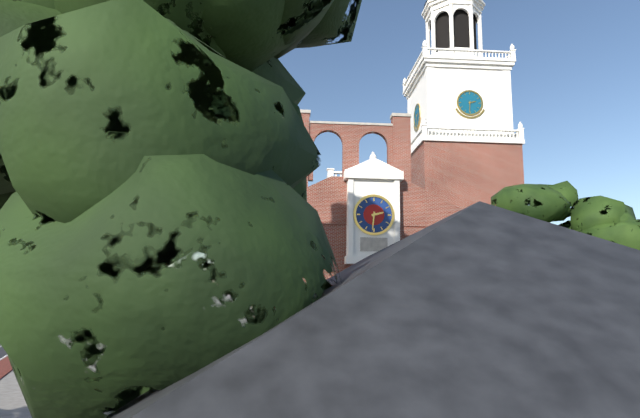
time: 2:31
